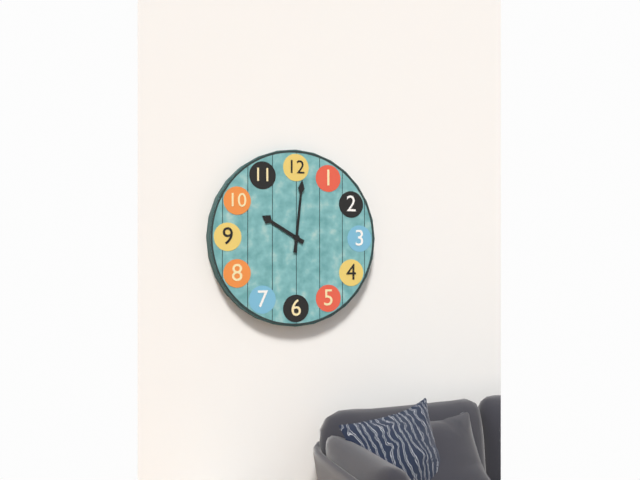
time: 10:01
